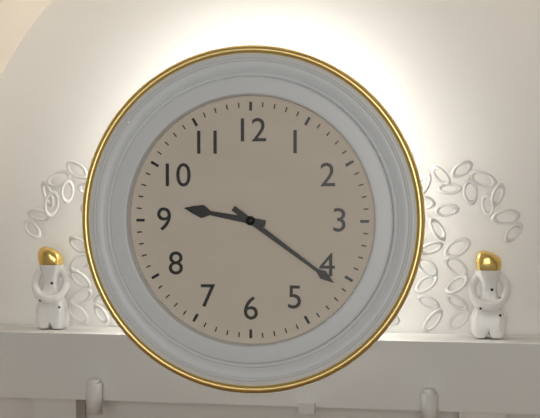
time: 9:21
